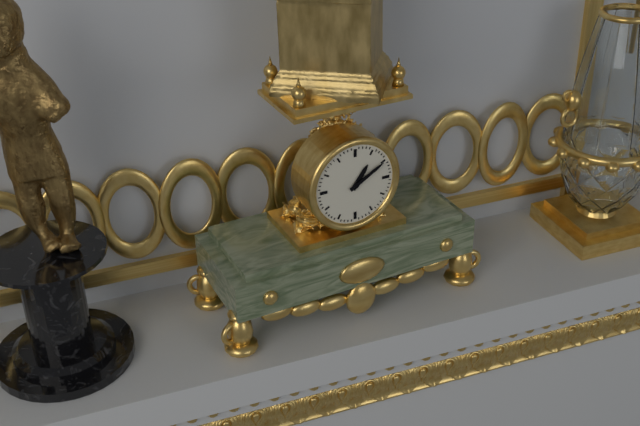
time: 1:10
